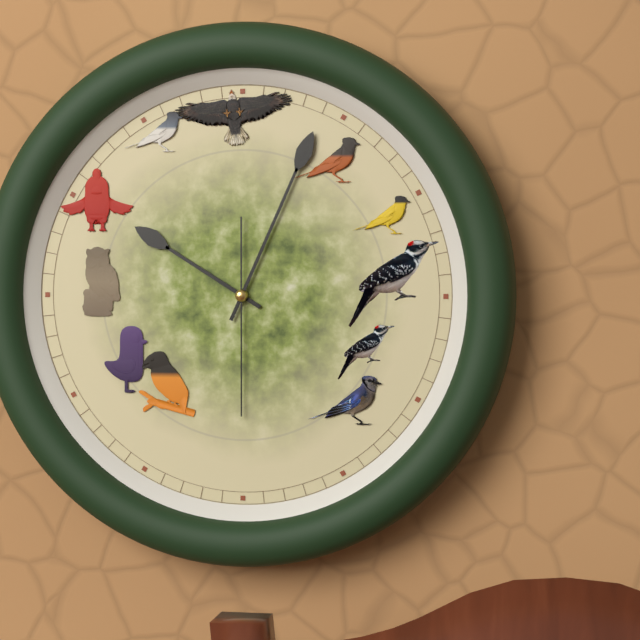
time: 10:04:30
